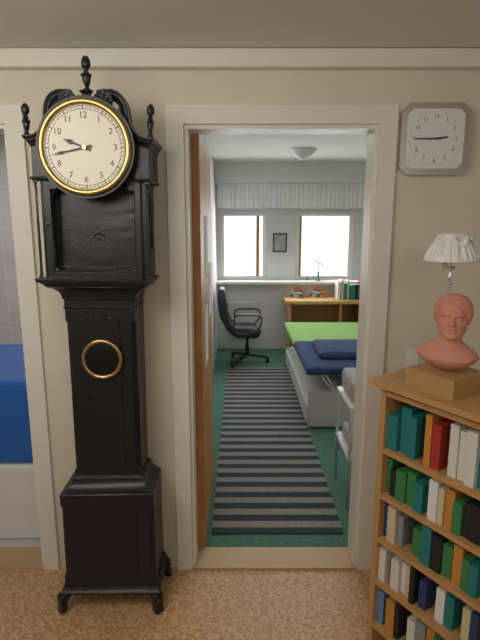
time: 9:43
